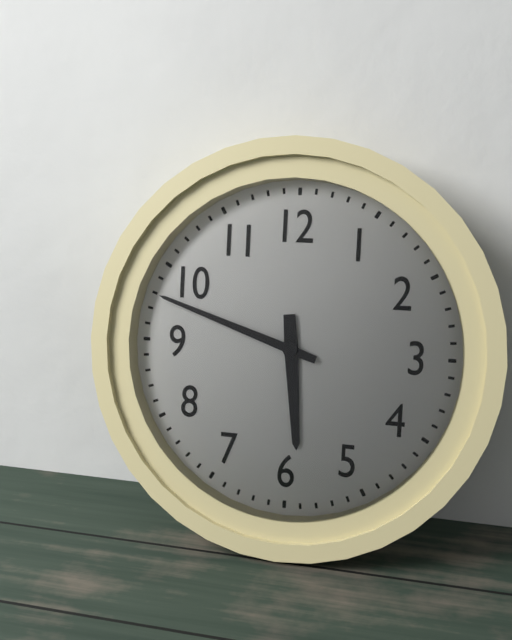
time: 5:48
